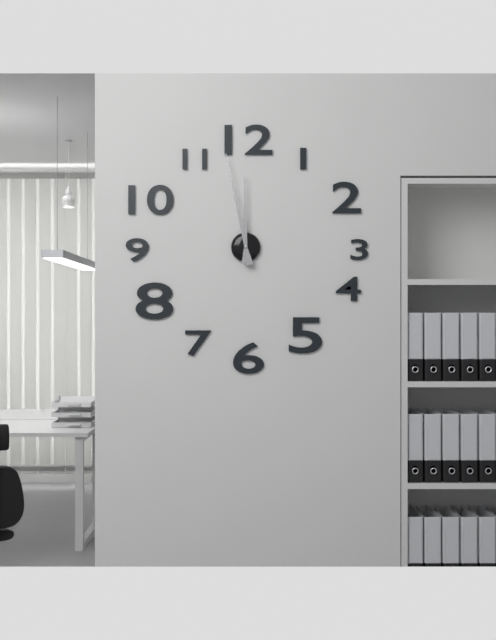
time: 11:58
